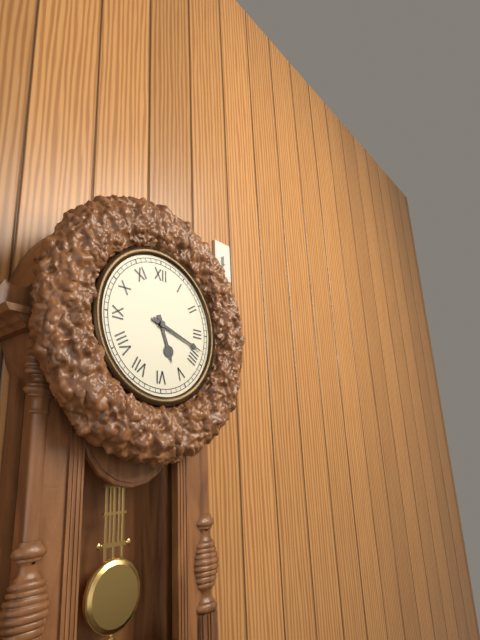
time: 5:18
